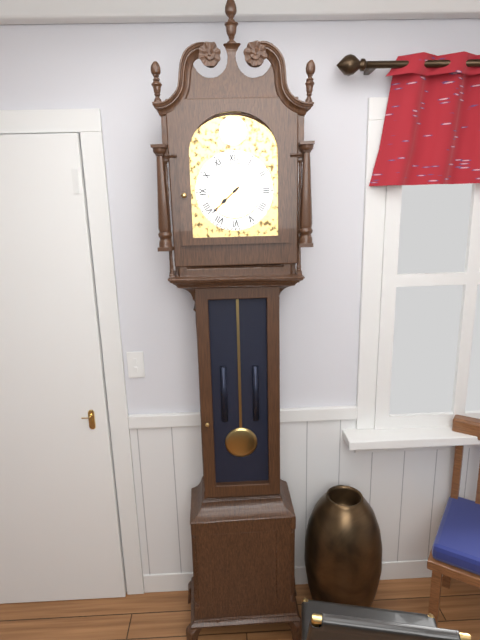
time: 7:38
